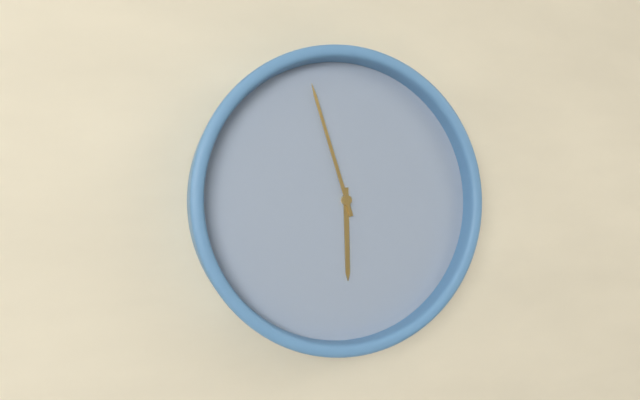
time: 5:57
